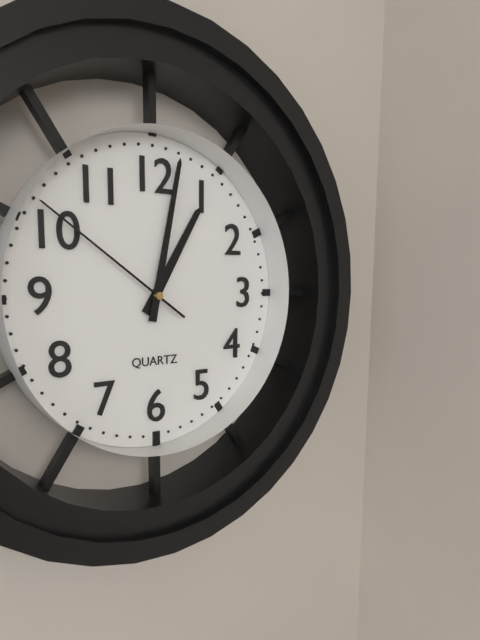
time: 1:02:51
